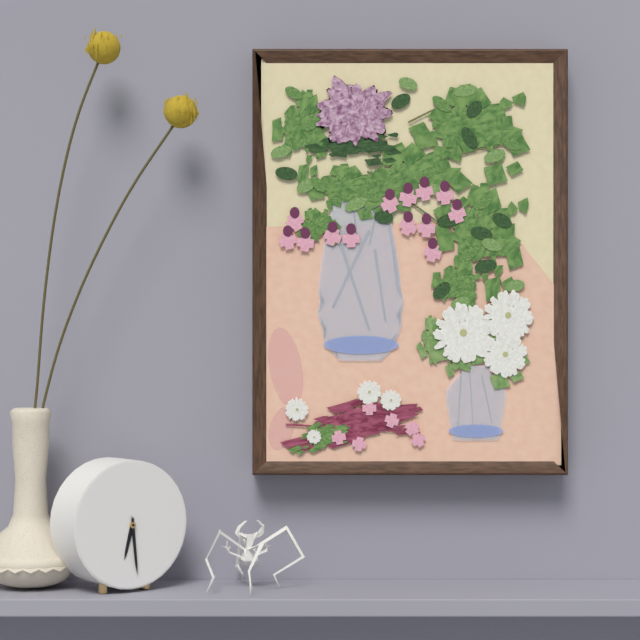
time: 6:29
